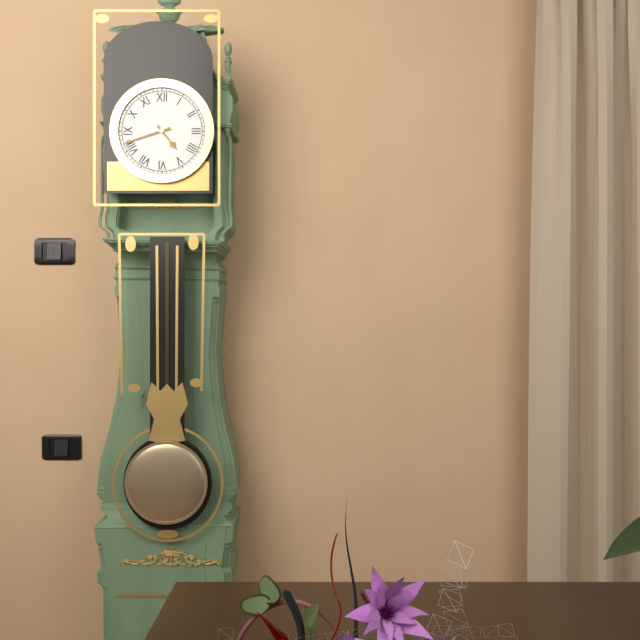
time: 4:42
